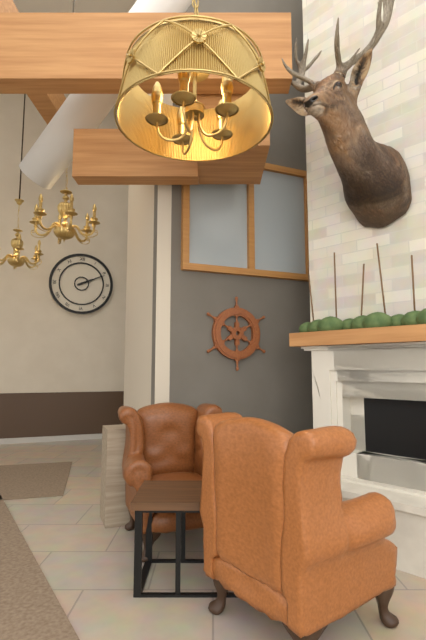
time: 2:11
